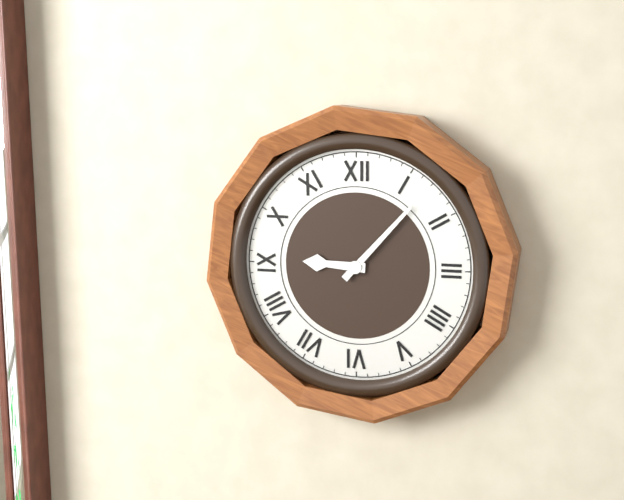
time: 9:07
